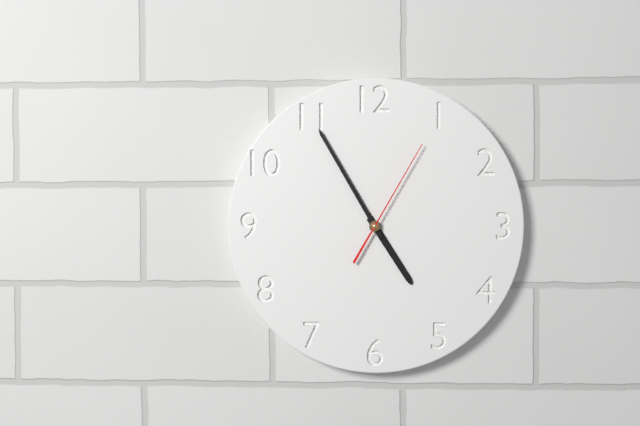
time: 4:55:05
